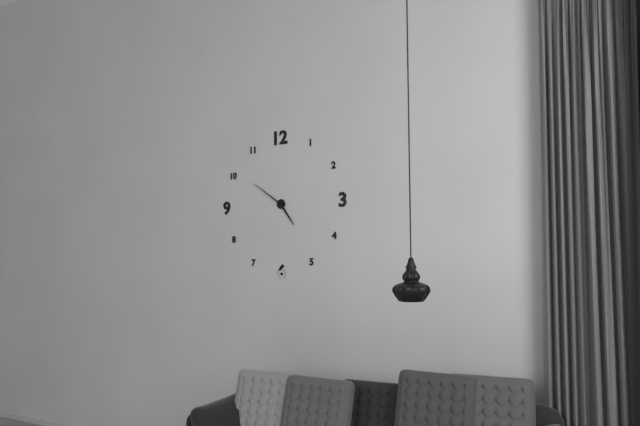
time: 4:51
